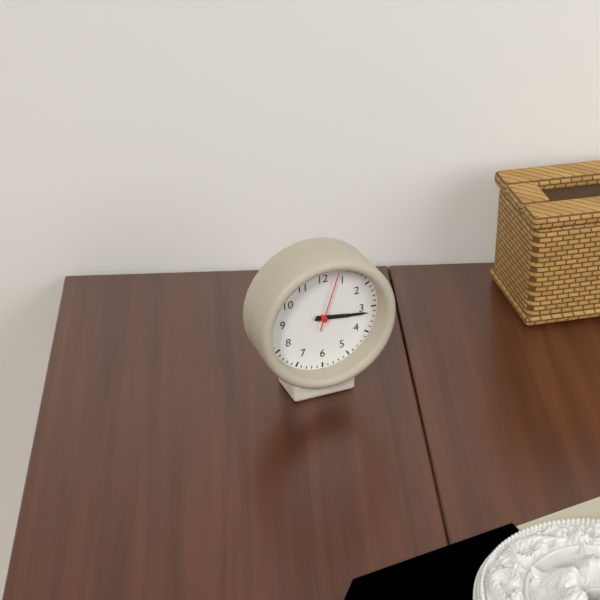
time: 3:16:03
